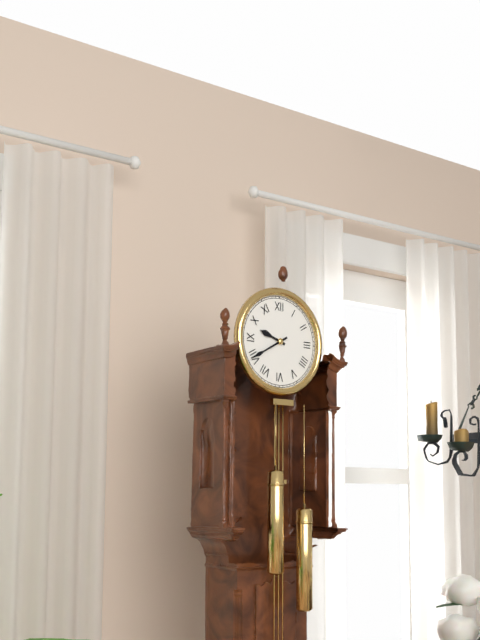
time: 9:40
